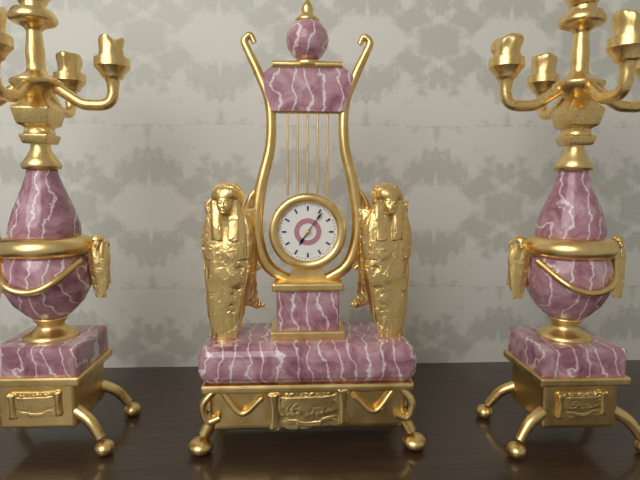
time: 7:06
